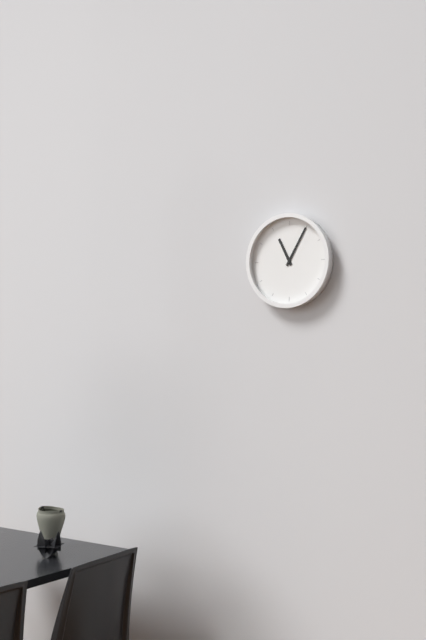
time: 11:05
